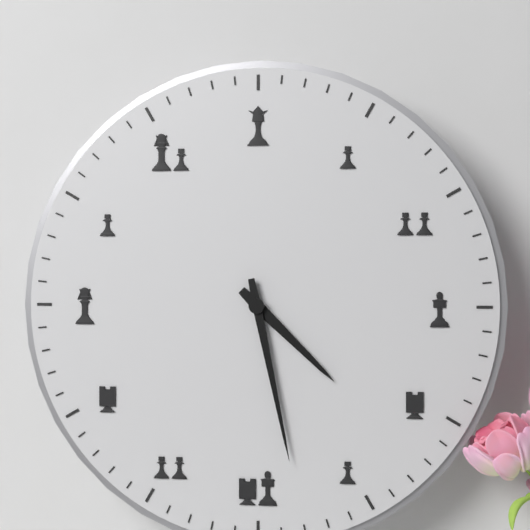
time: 4:28
